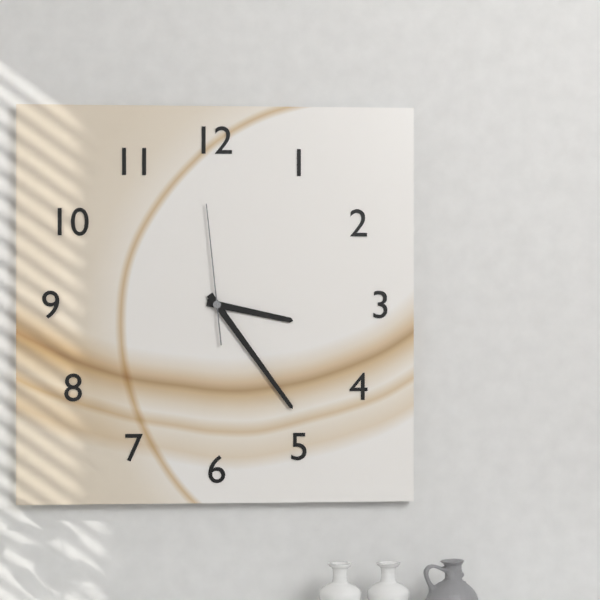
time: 3:24:59
